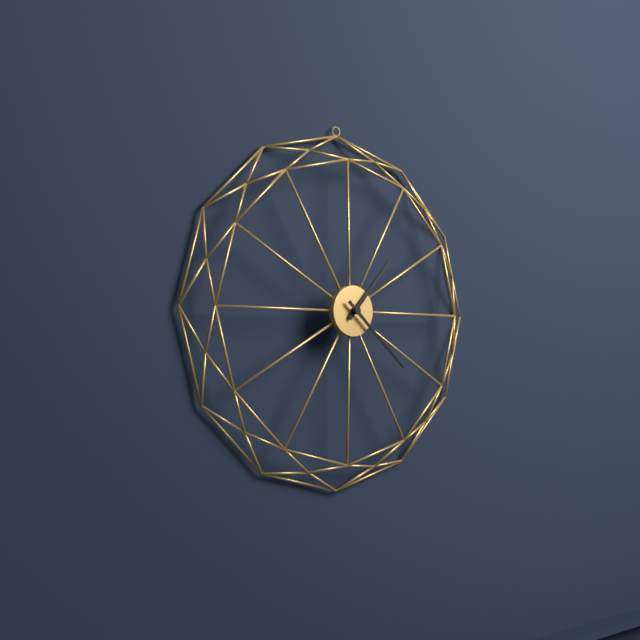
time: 1:22
